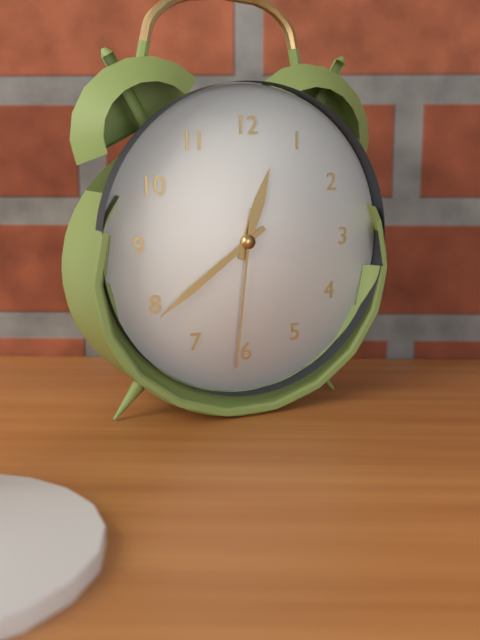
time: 12:39:31
